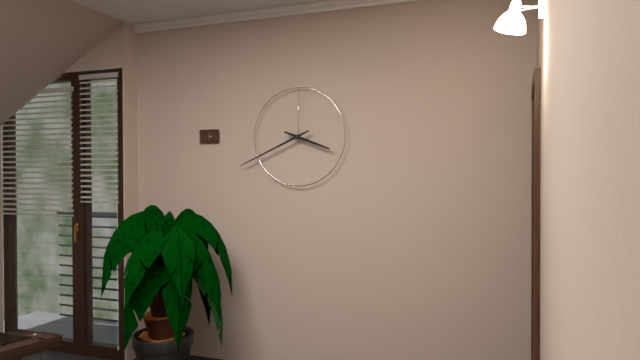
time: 3:41
